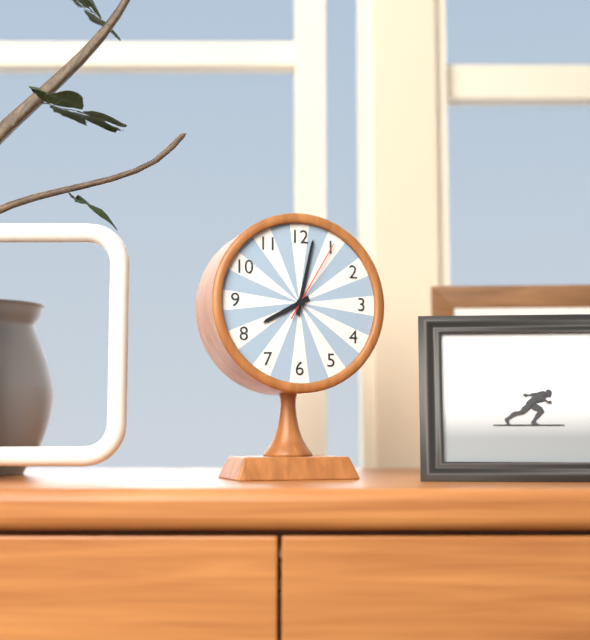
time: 8:02:05
